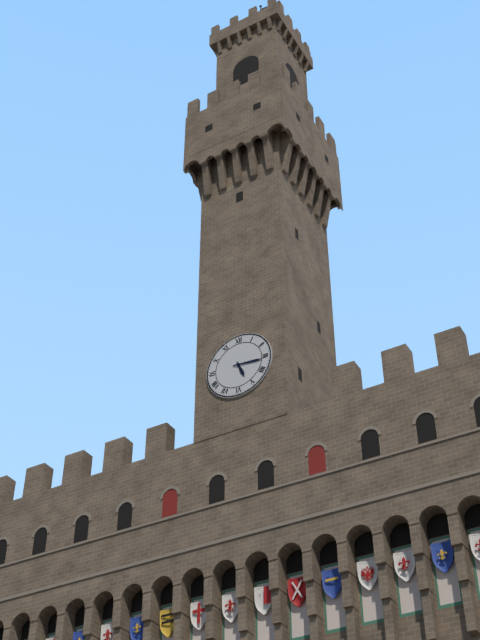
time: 5:16
